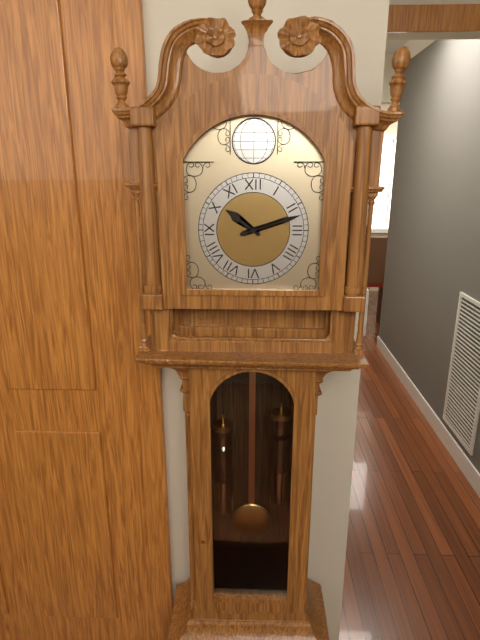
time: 10:12
